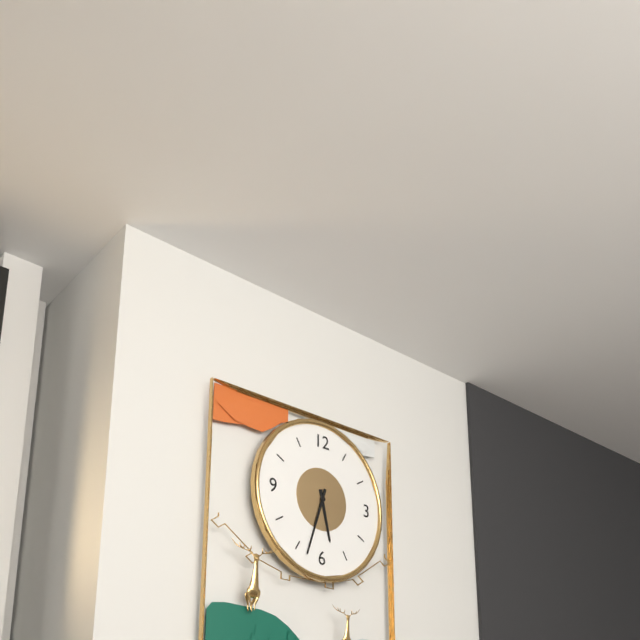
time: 5:33
